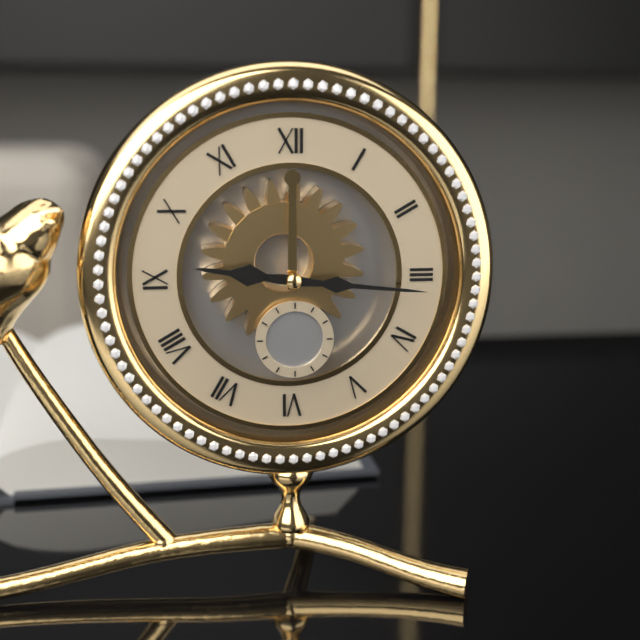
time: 9:16
